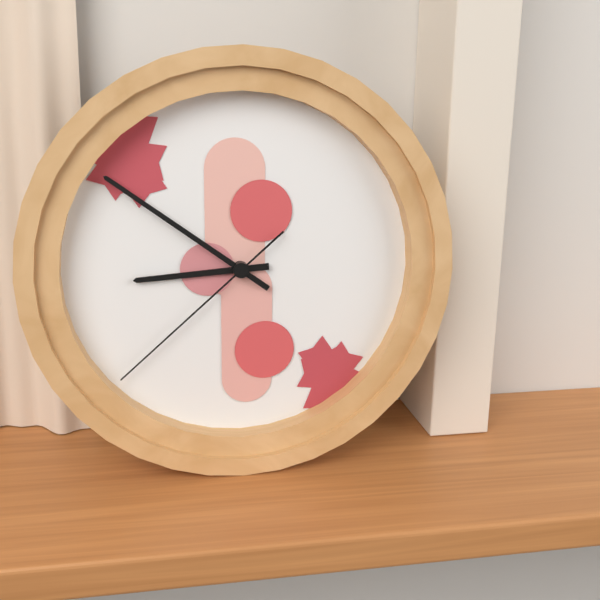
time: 8:51:38
